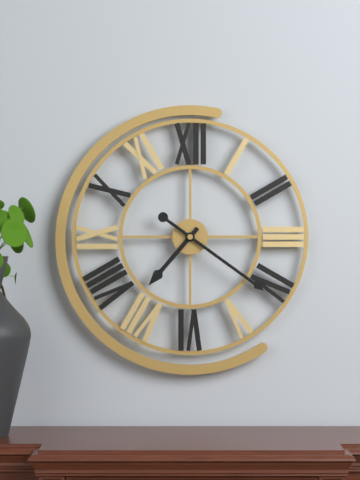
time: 7:21
